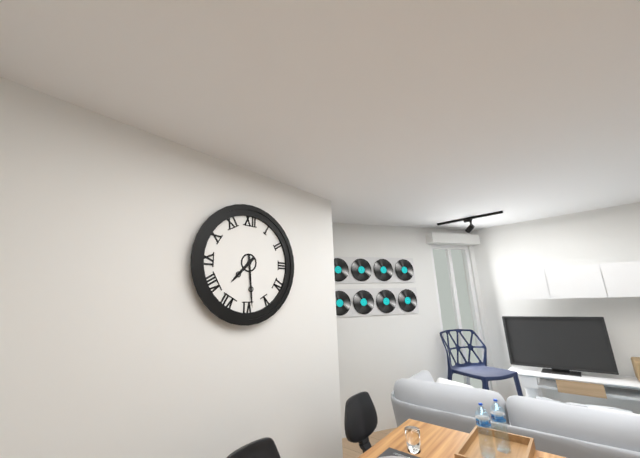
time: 7:29
